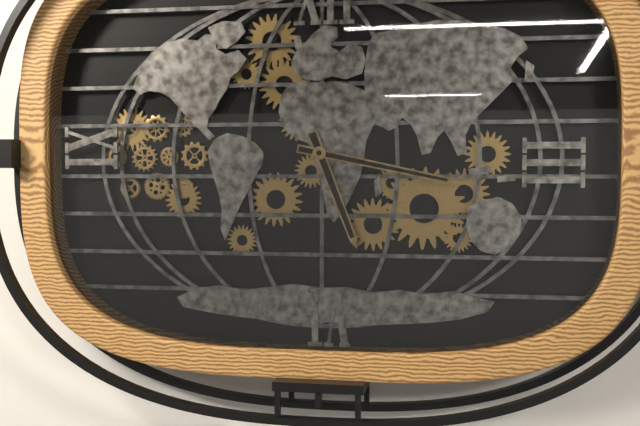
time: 5:17
